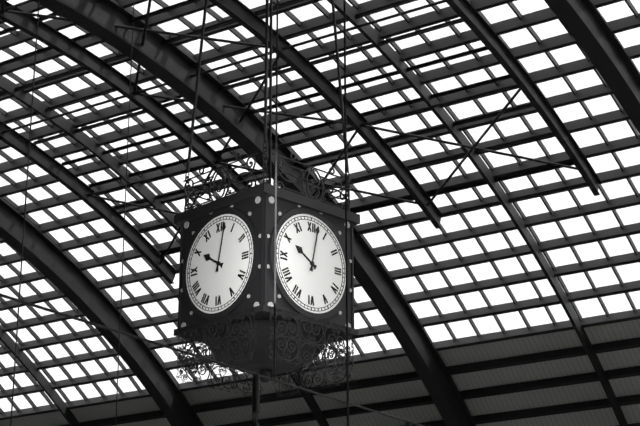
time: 10:02
